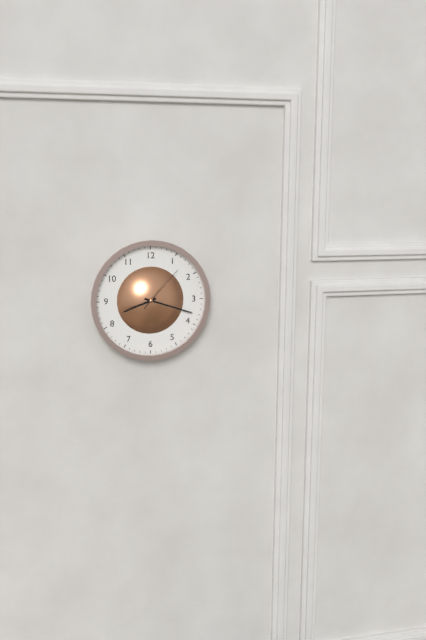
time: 8:18:07
